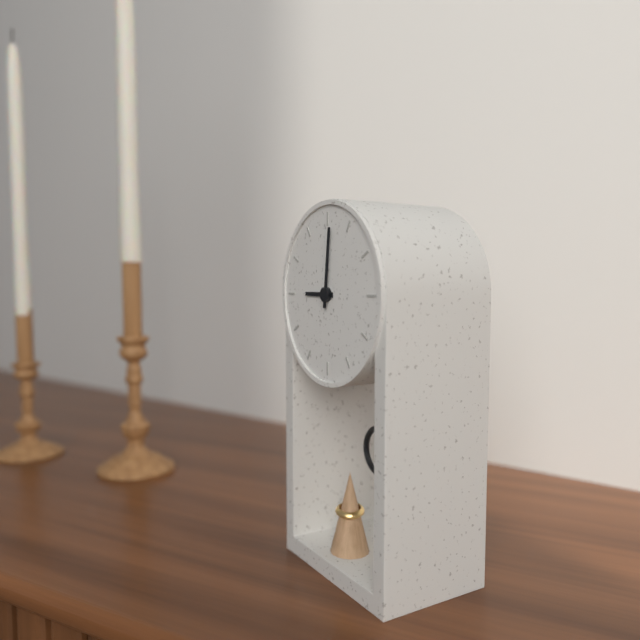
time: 9:01
